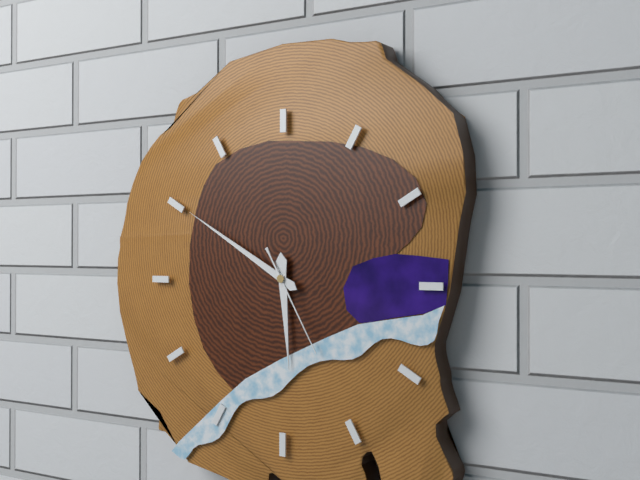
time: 5:50:25
